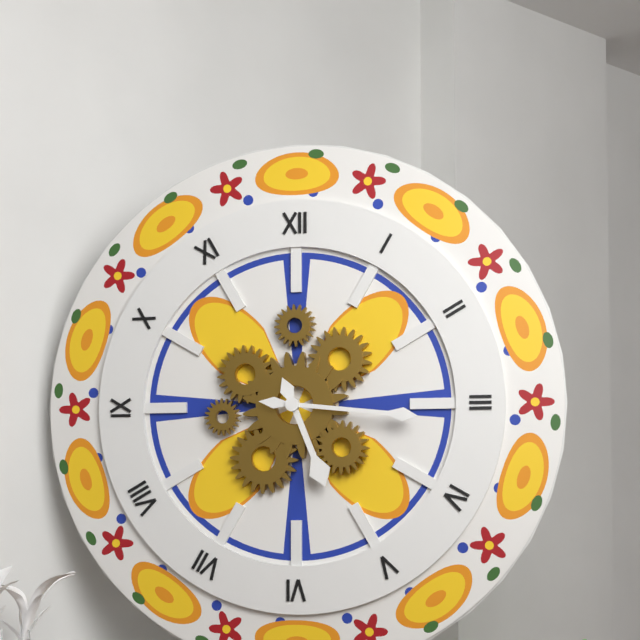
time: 5:16
